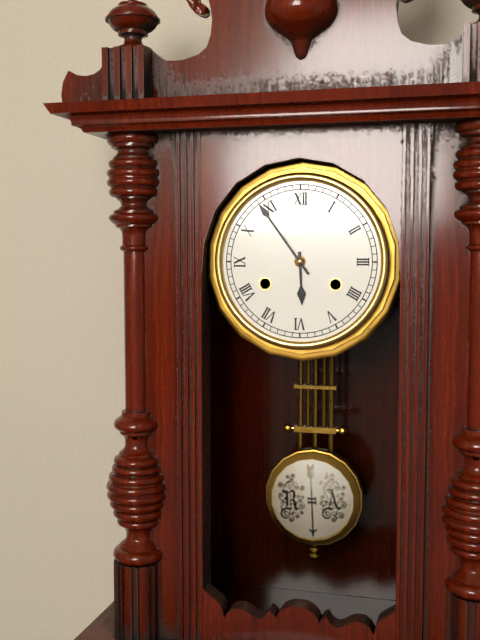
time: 5:54
